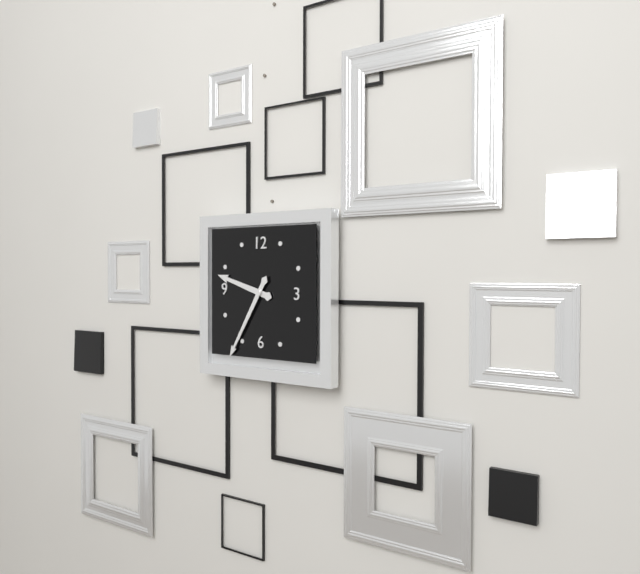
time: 9:35
